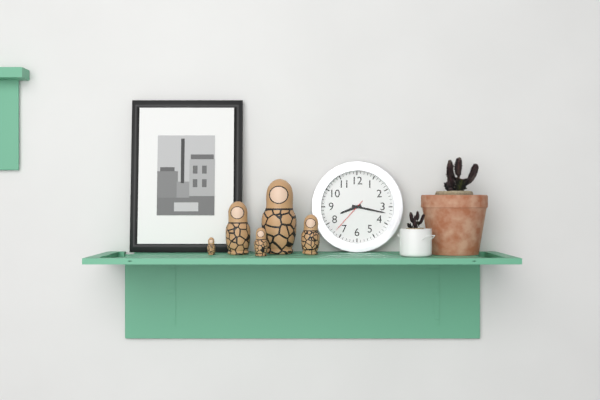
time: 8:17
